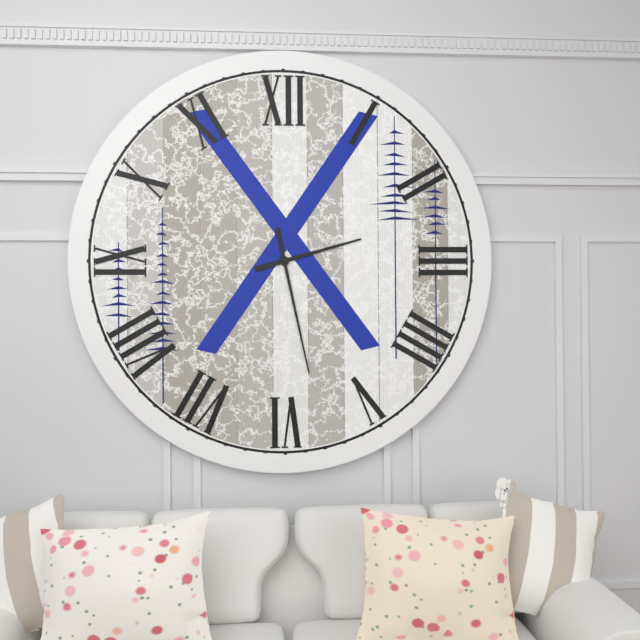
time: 2:28
